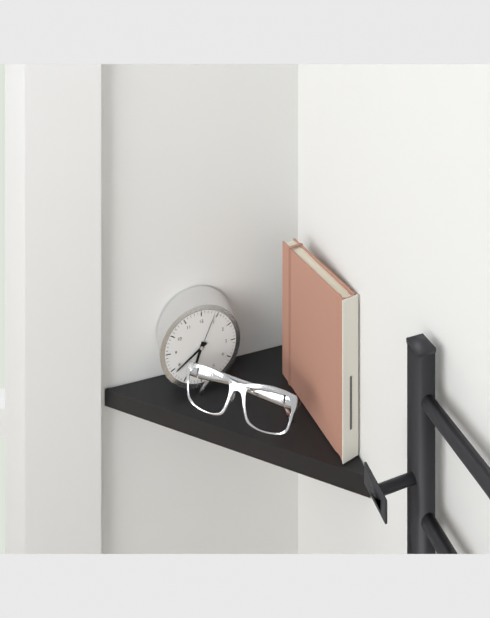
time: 6:39
